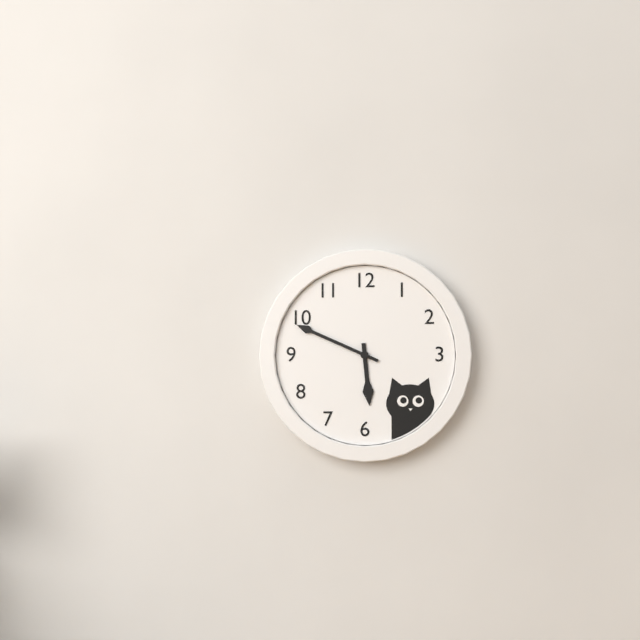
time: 5:49
